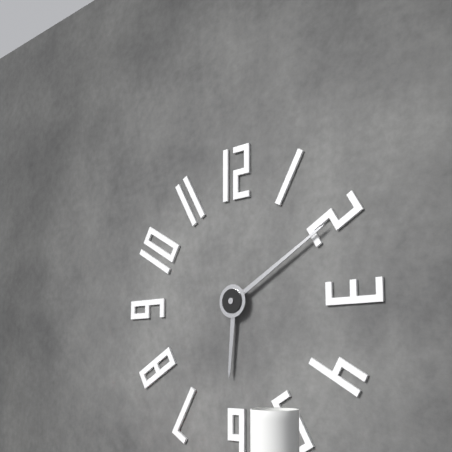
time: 6:10
